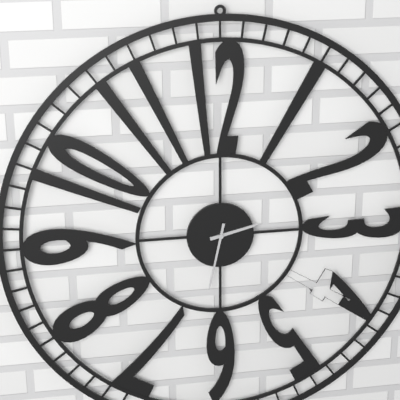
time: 2:32
